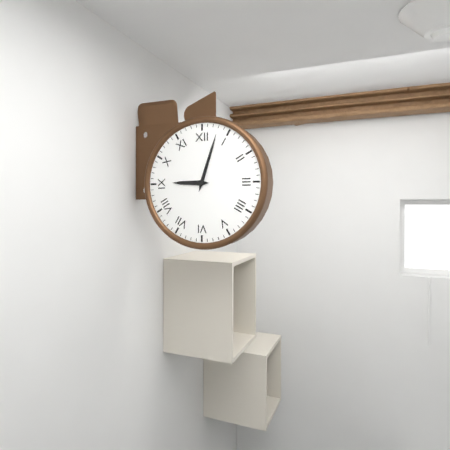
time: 9:03
